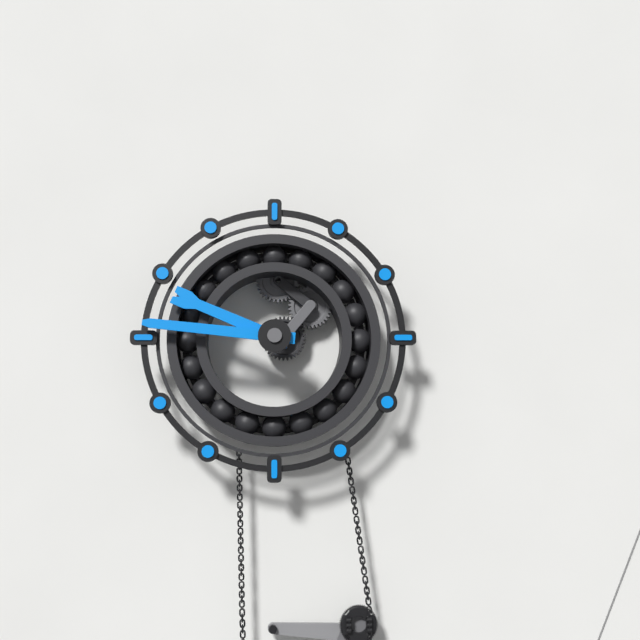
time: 9:46
